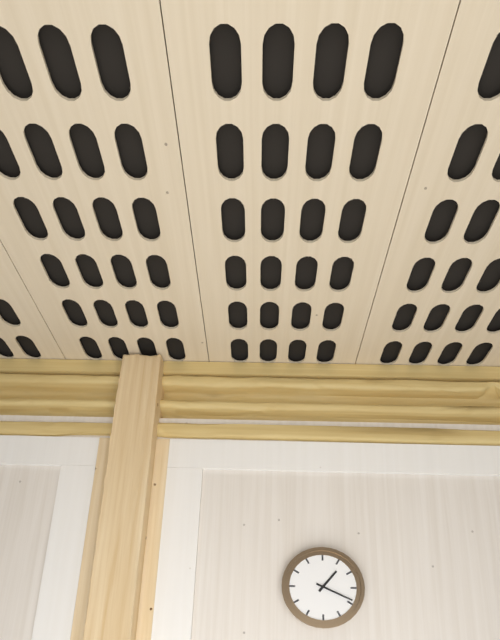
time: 1:19
